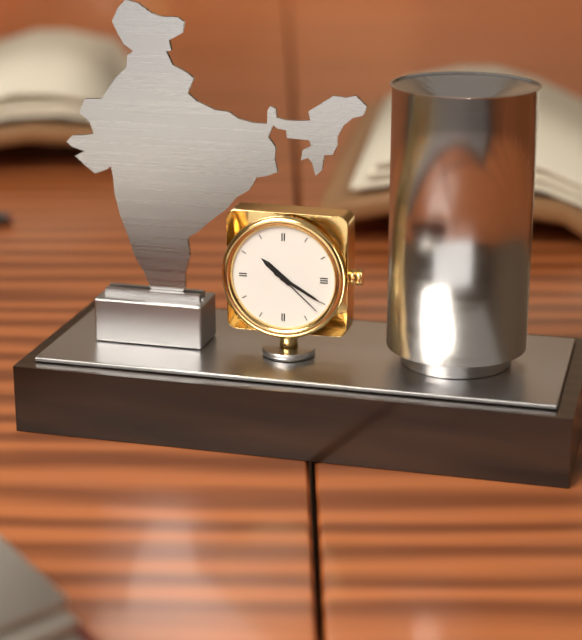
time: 10:20:22
